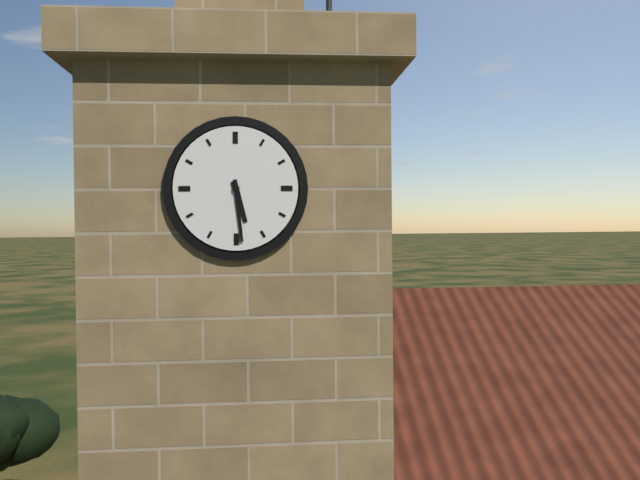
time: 5:29
